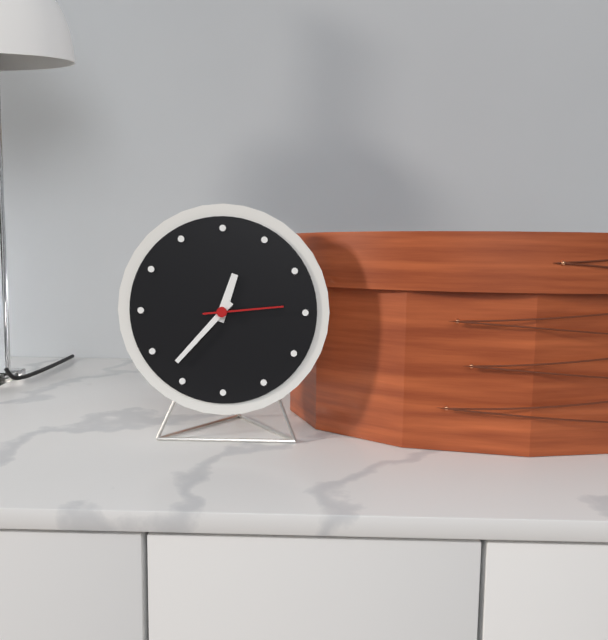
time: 12:37:14
